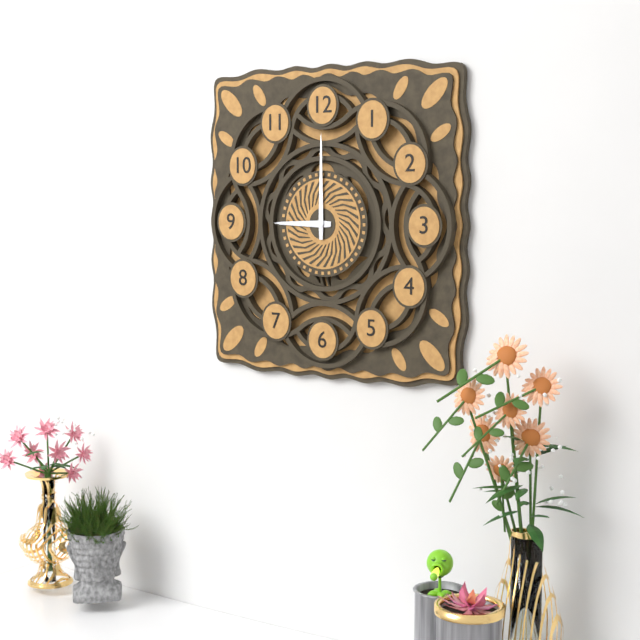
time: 9:00
